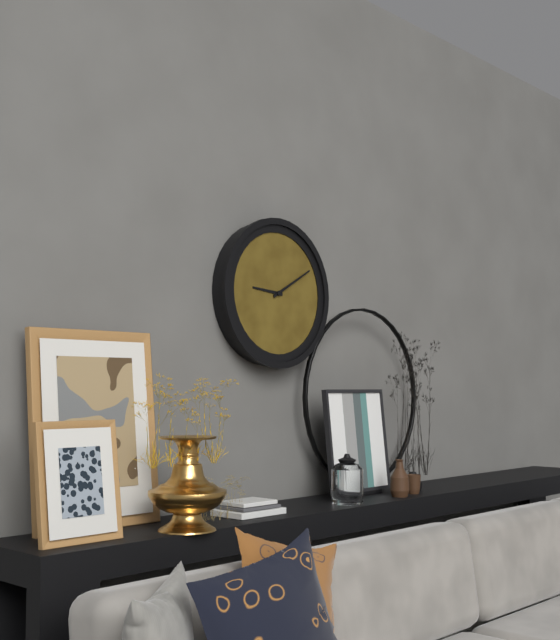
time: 9:10
